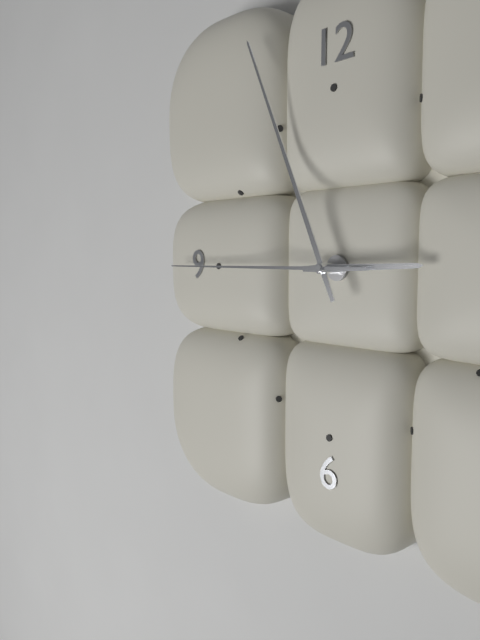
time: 2:56:45
